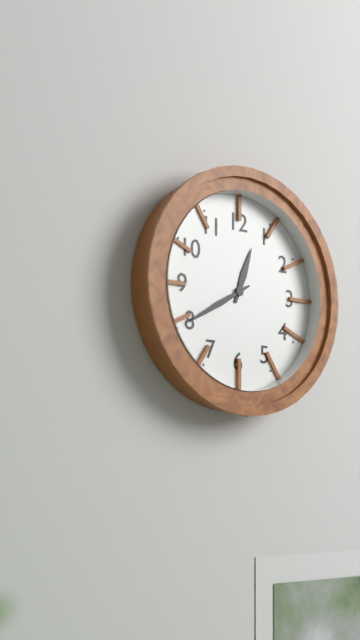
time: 12:40
